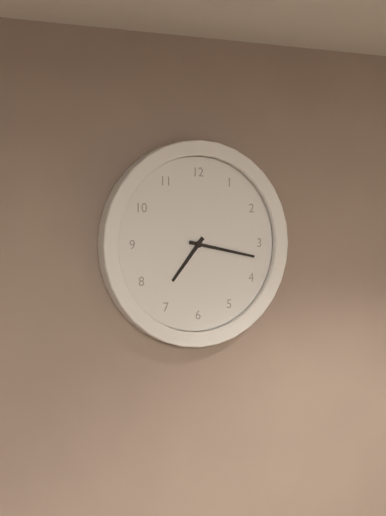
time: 7:17
